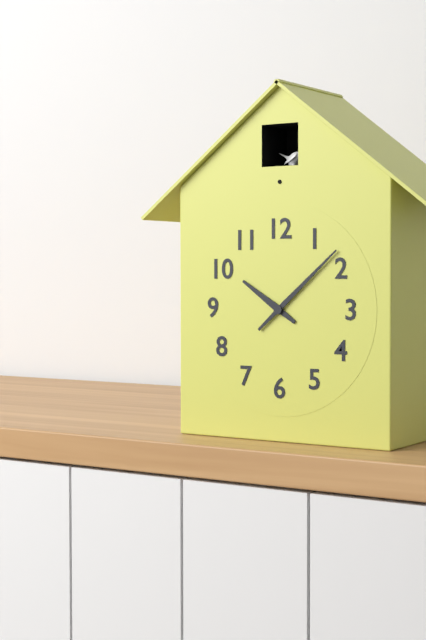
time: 10:08
